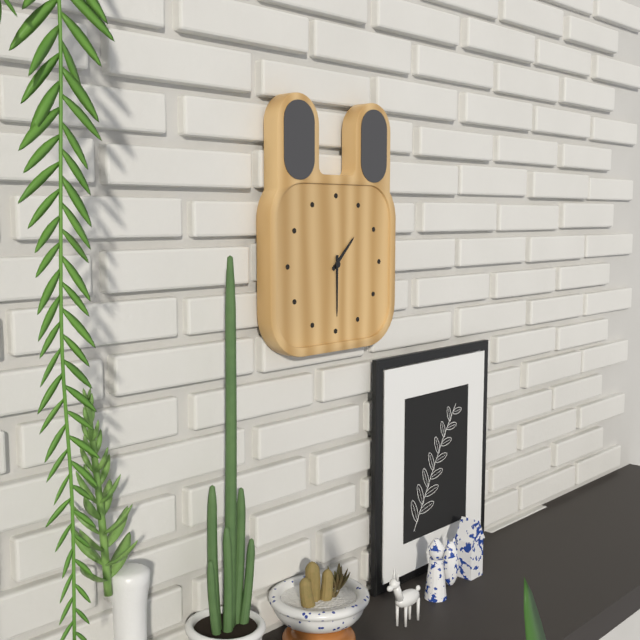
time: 1:30
